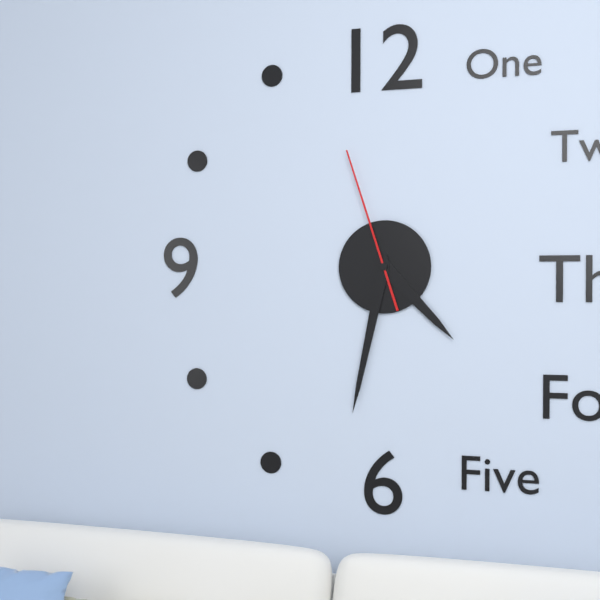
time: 4:32:57
